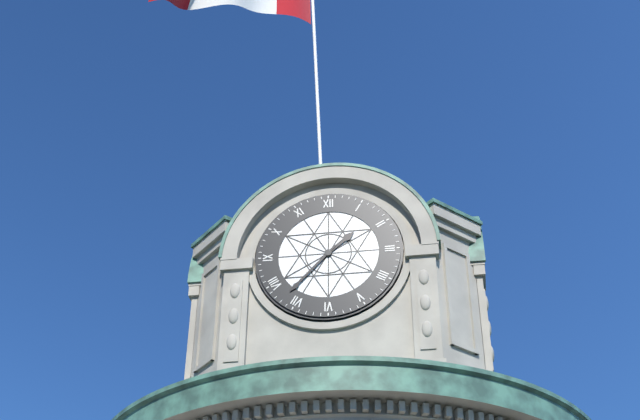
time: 1:37
